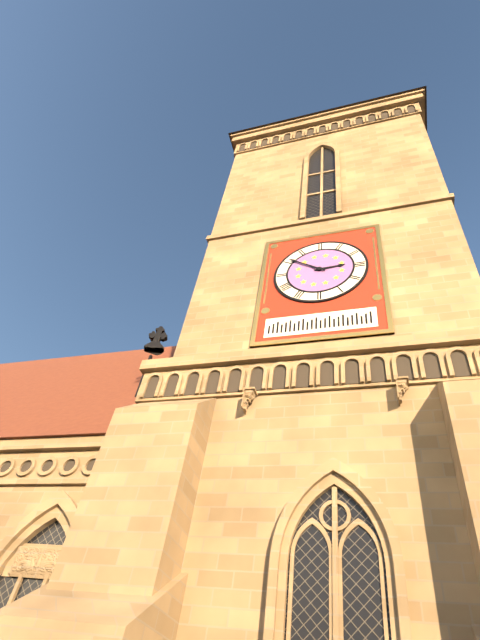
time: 2:51
